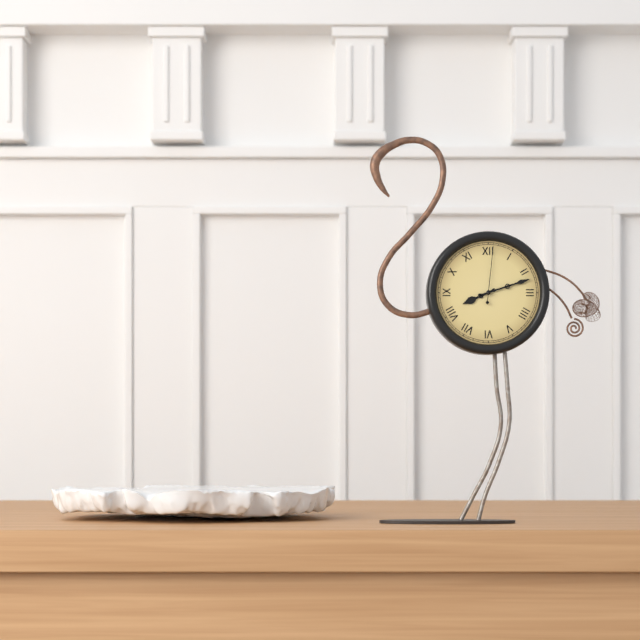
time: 8:12:01
